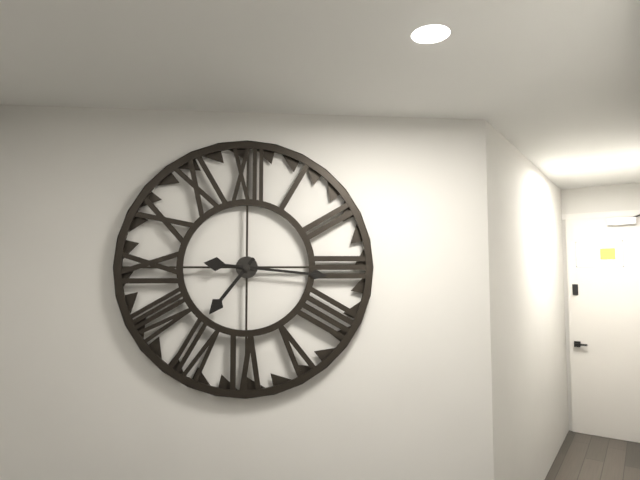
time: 7:16
